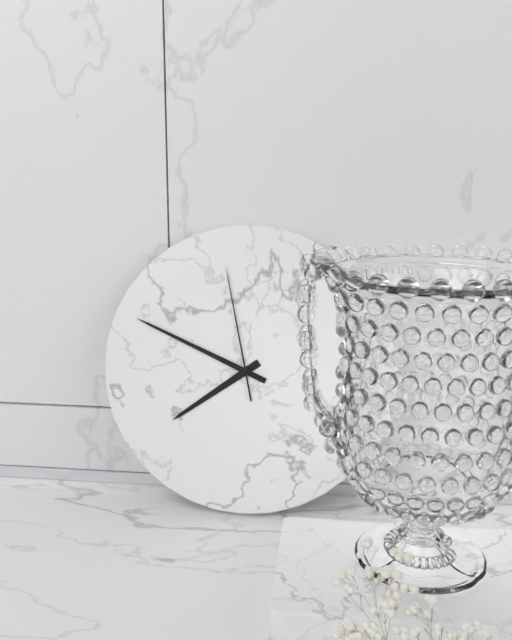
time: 7:49:58
